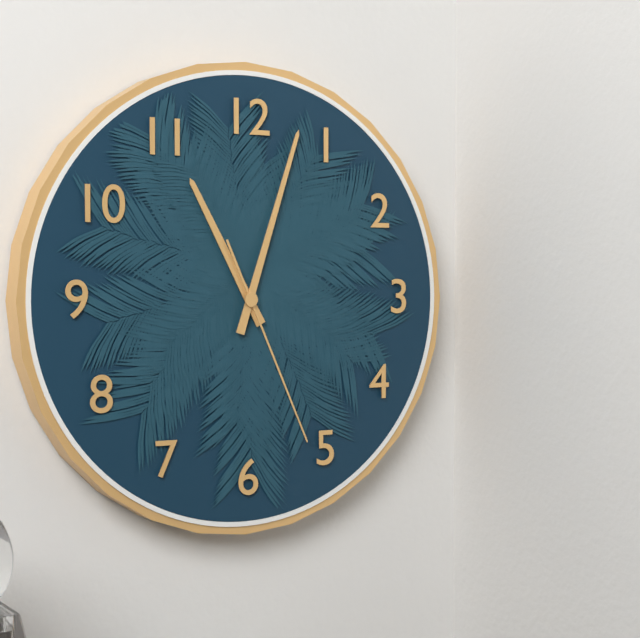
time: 11:03:26
